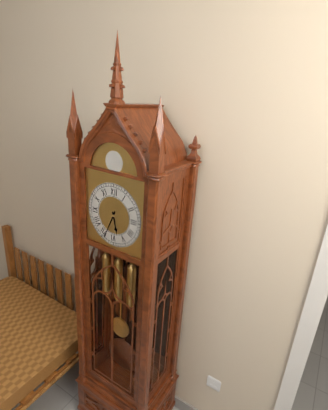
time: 5:34
